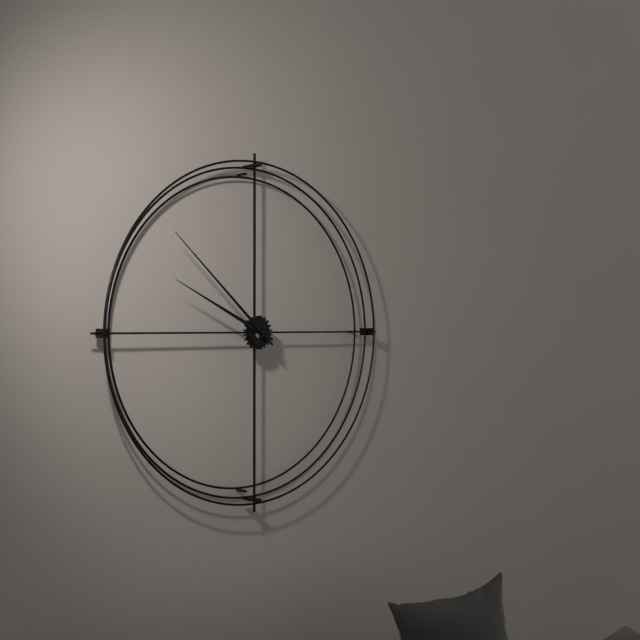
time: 9:52
